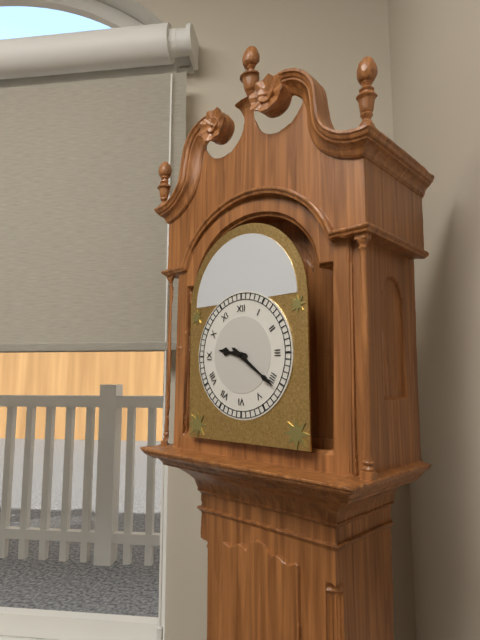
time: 9:21
